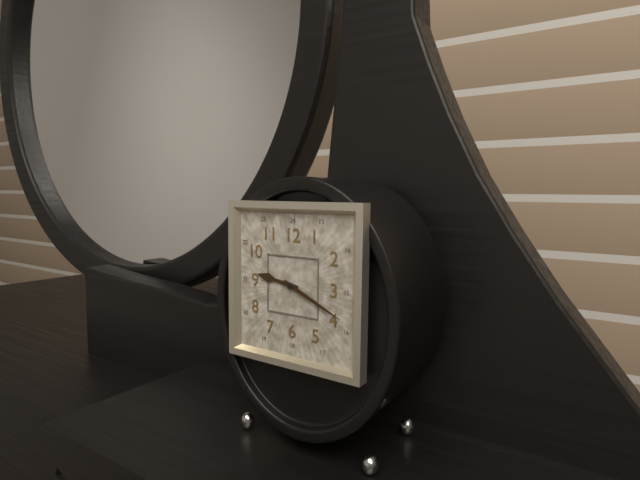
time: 9:19
